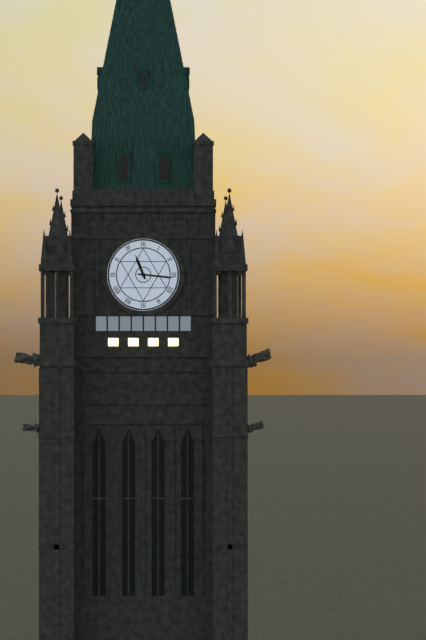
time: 11:16
